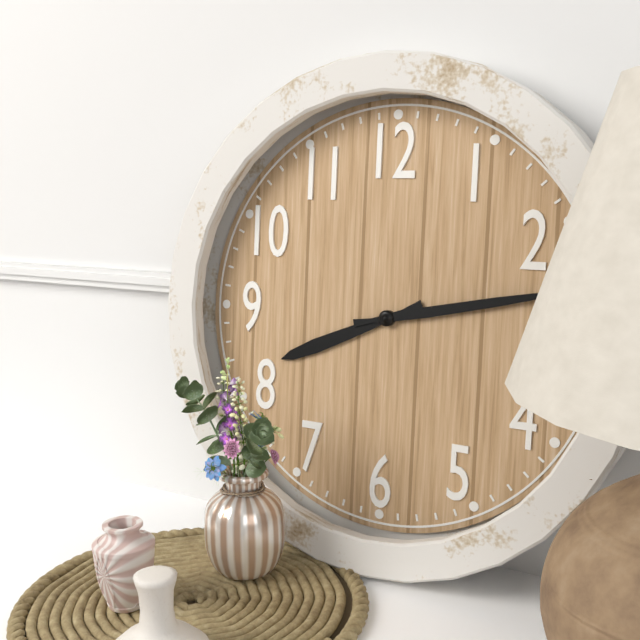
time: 8:13
